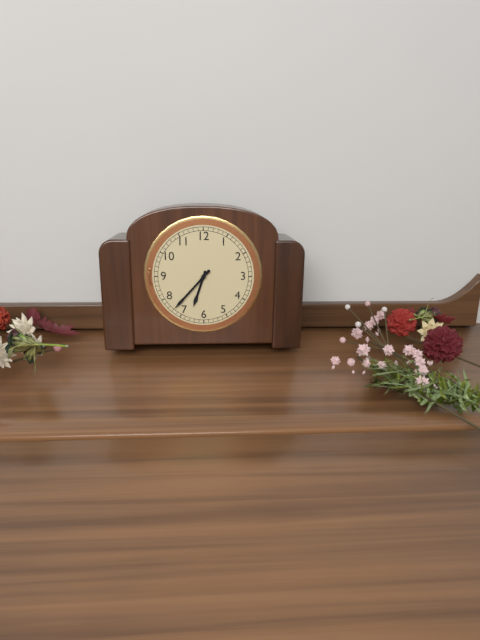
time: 6:37
